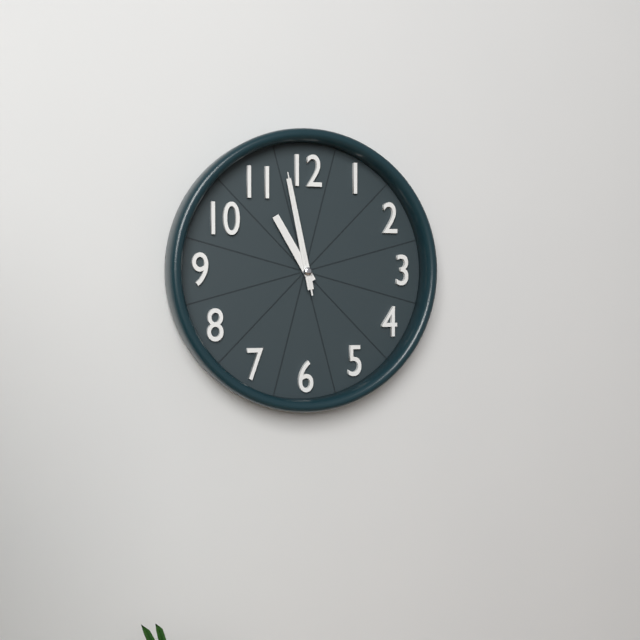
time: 10:58:58
